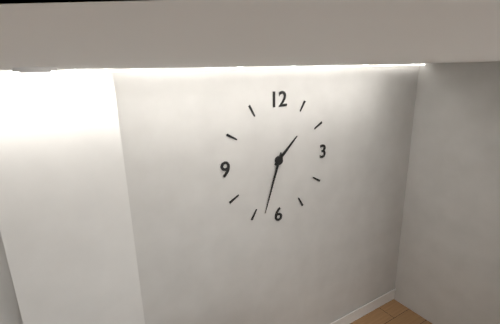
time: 1:33
